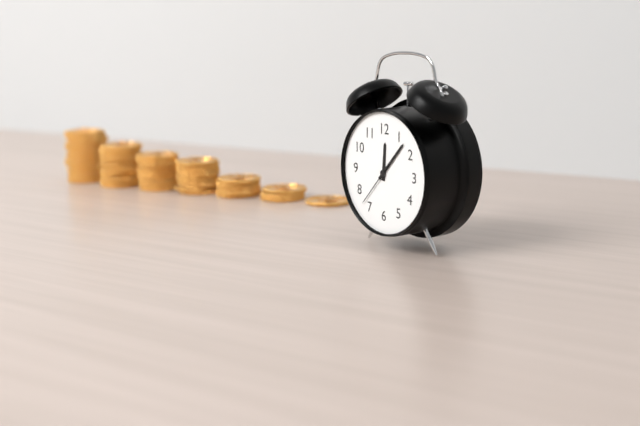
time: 12:07
